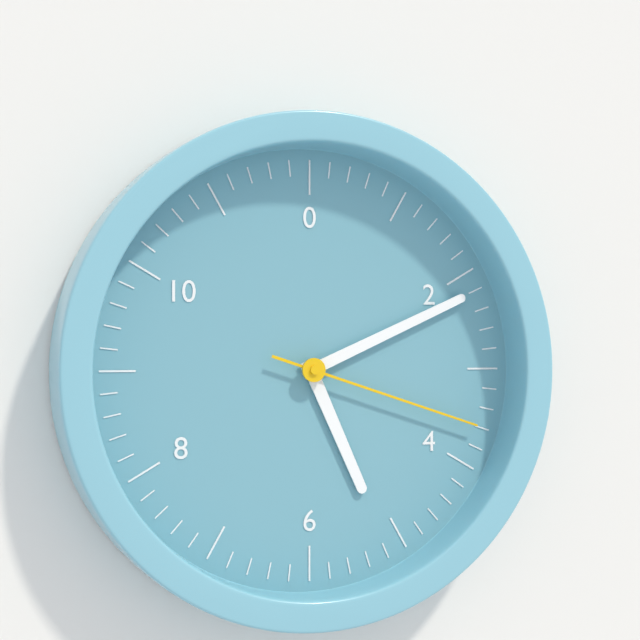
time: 5:11:18
